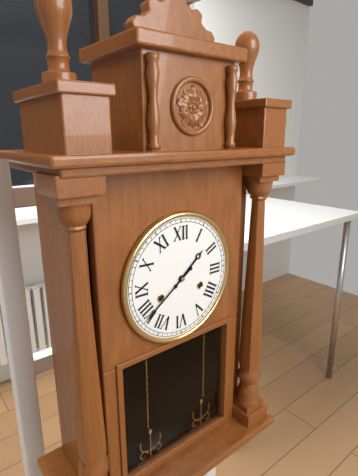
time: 1:39
